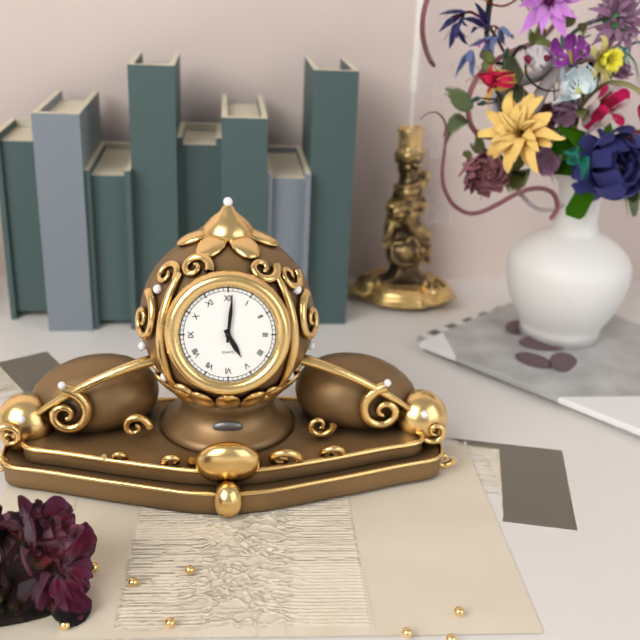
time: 5:01
